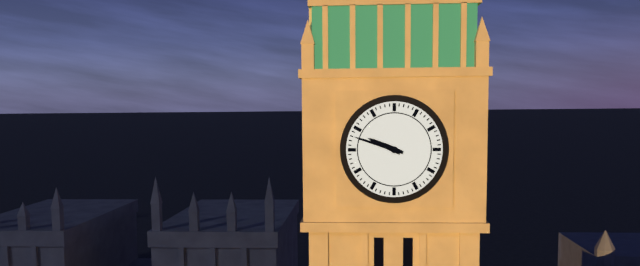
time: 9:48
